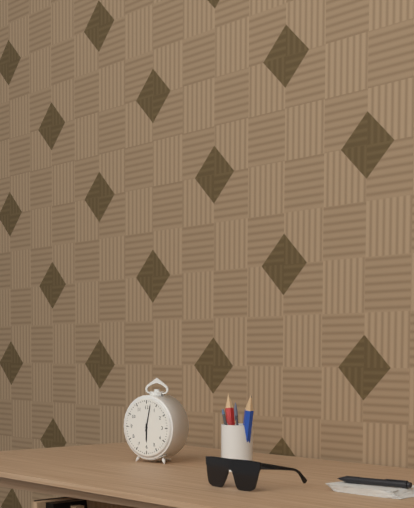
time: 6:02
